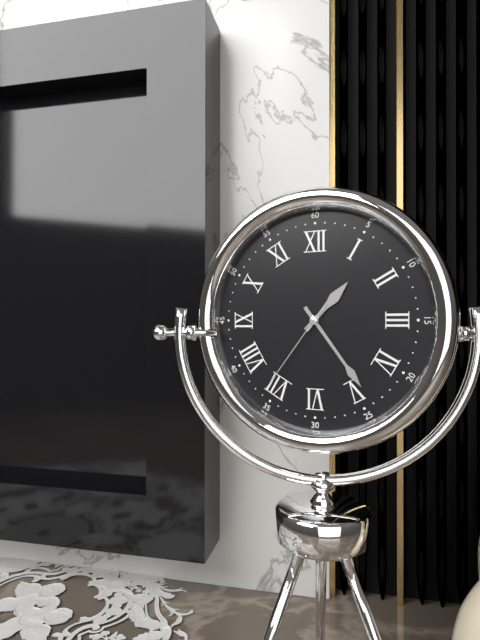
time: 1:24:36
